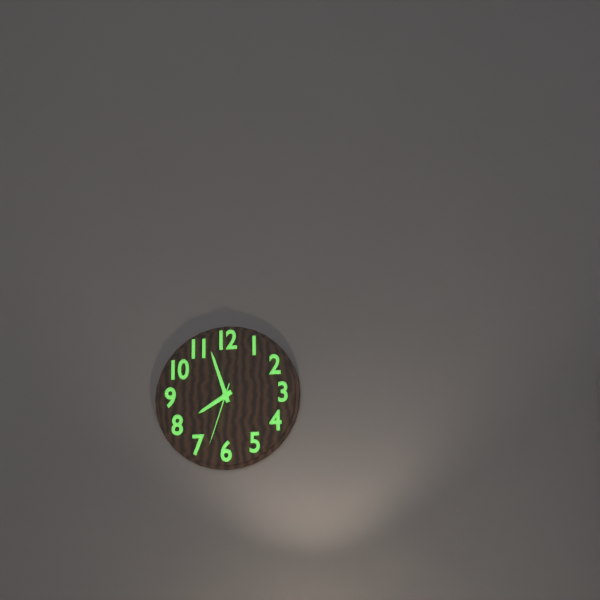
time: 7:57:33
